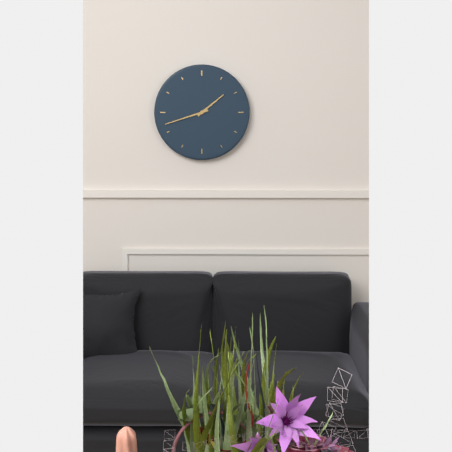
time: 1:42
